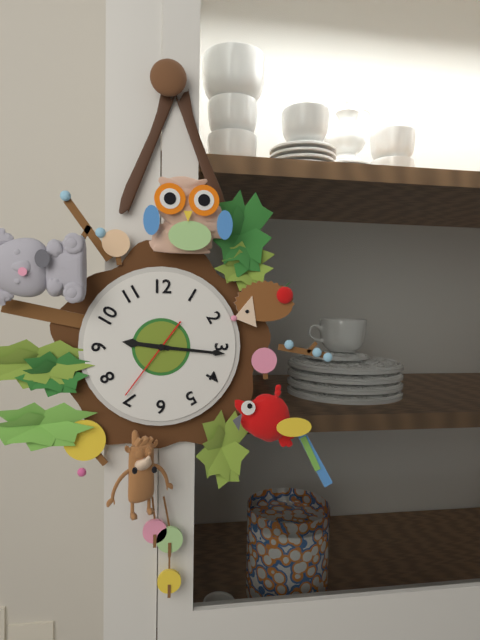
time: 9:16:36
